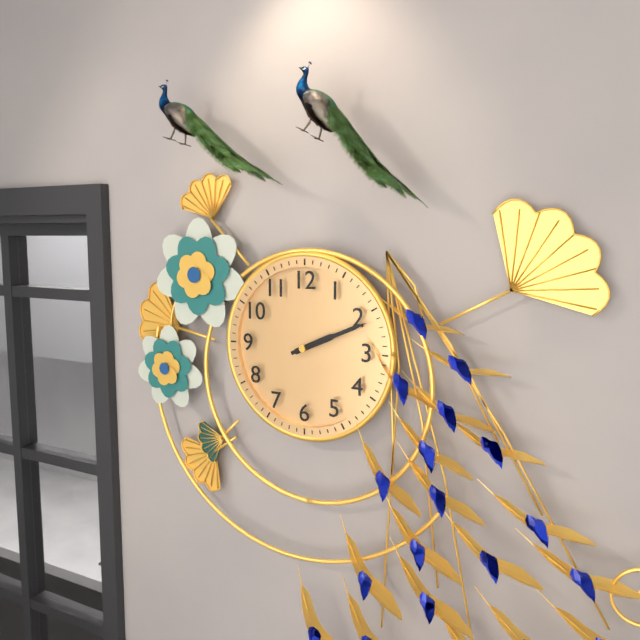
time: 2:11
